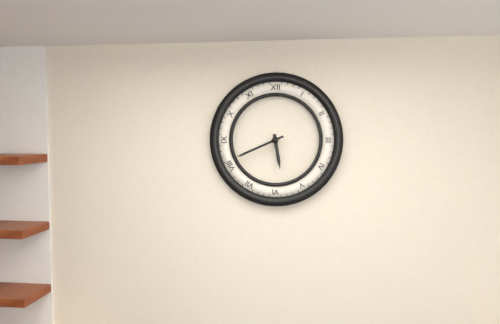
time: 5:41
